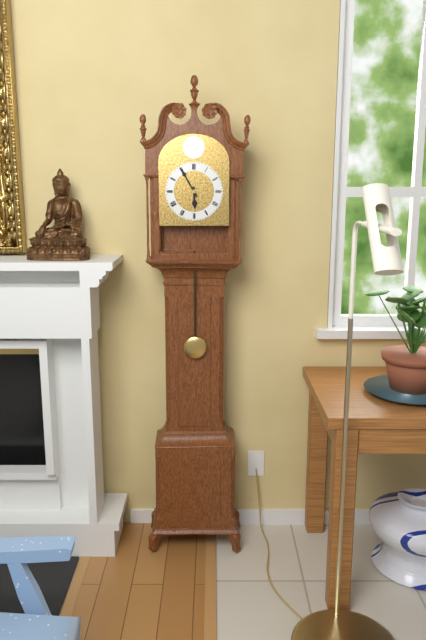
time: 5:55
